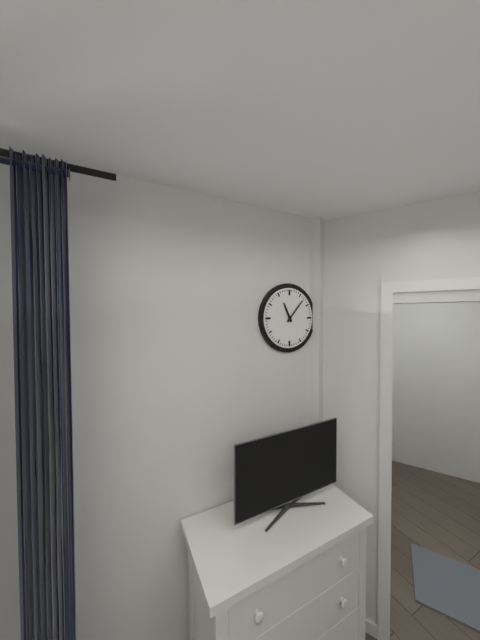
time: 11:07
